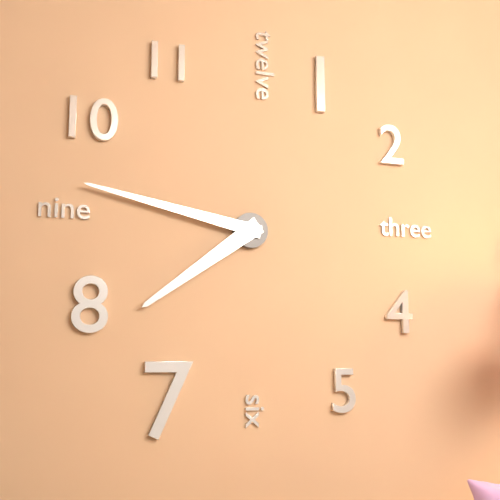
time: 7:47
